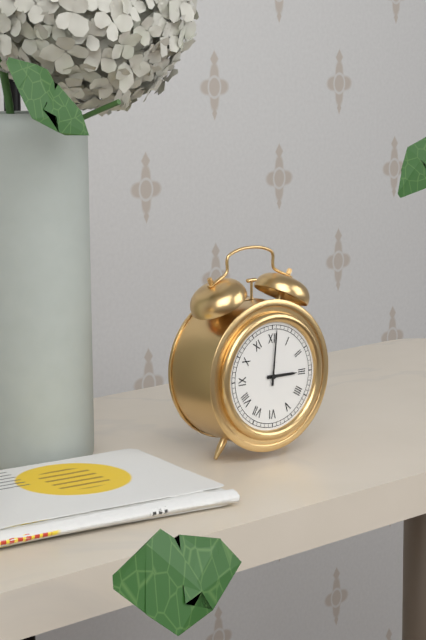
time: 3:01
